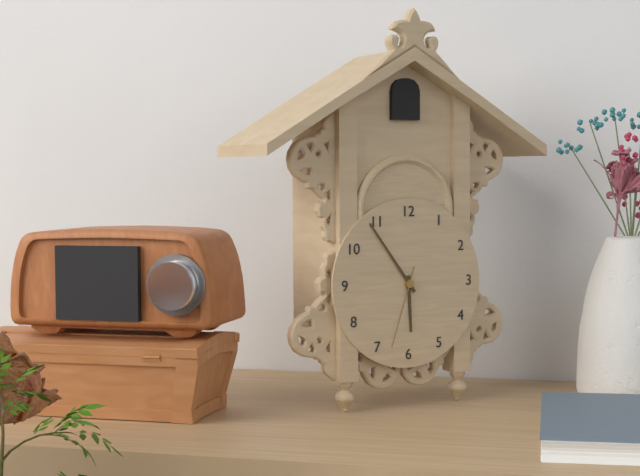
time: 5:54:33
